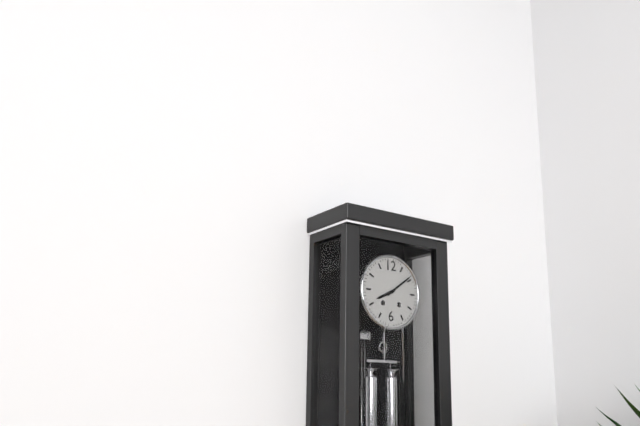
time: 8:09
